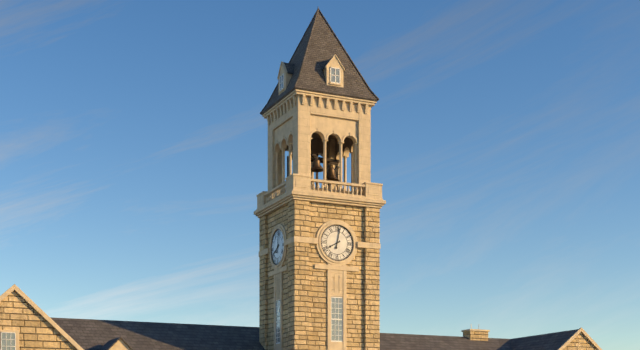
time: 8:02
